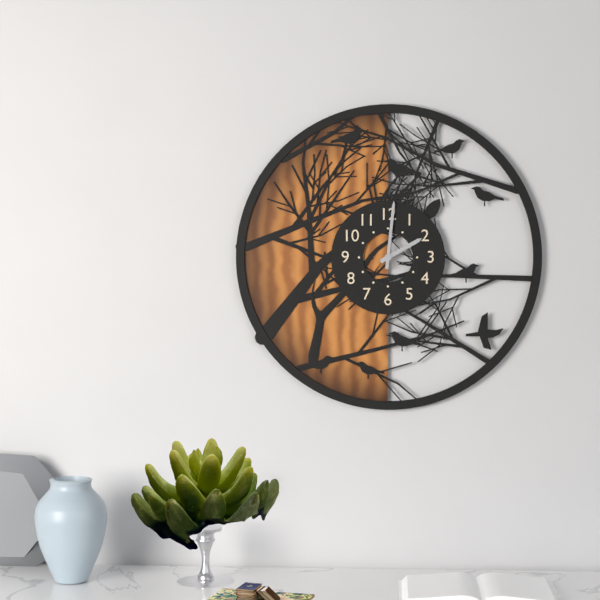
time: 2:01
